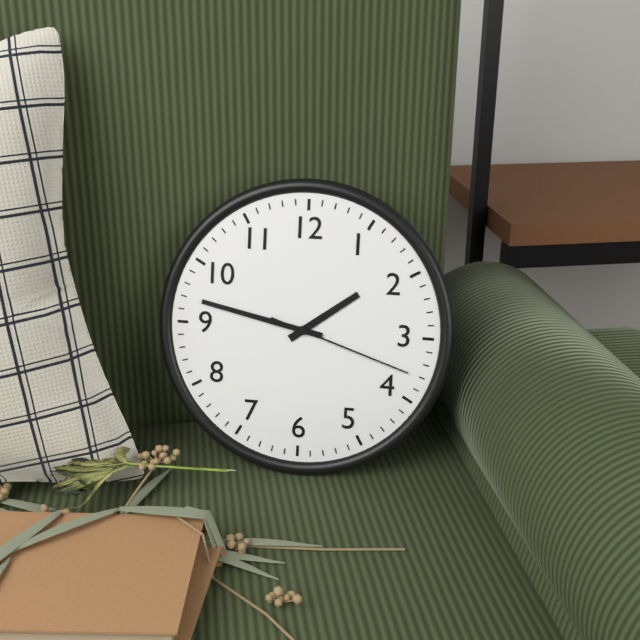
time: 1:47:18
